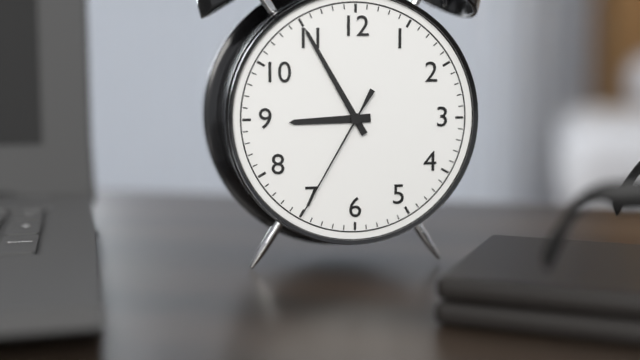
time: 8:55:35
